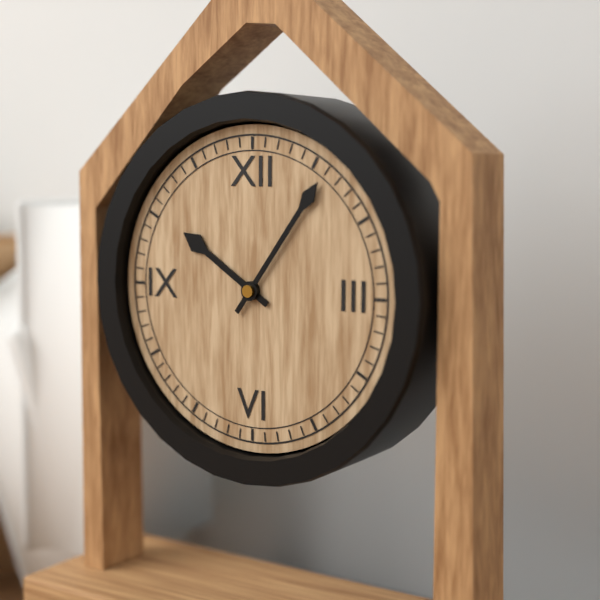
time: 10:06
